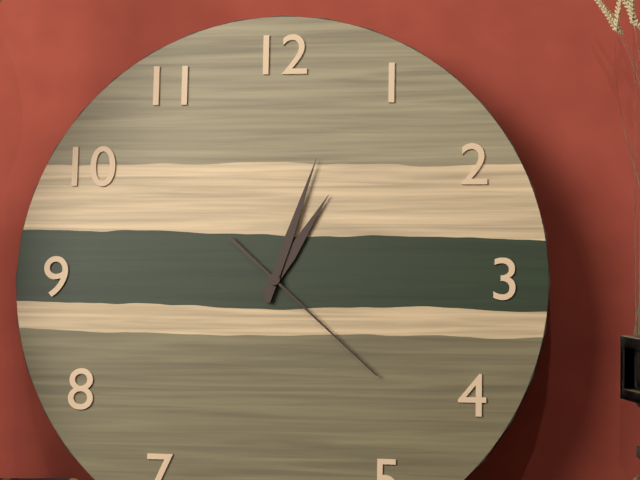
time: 1:03:22
